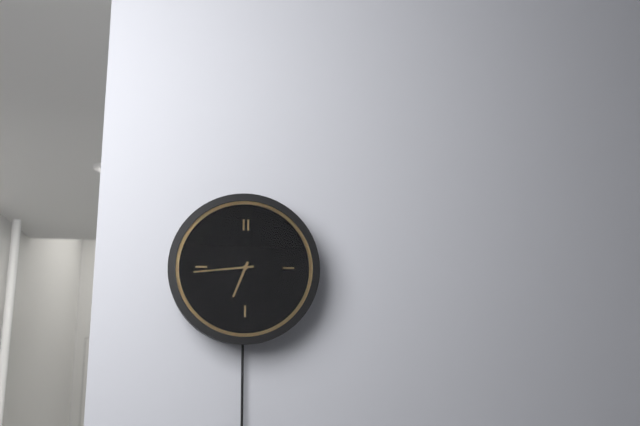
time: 6:44
